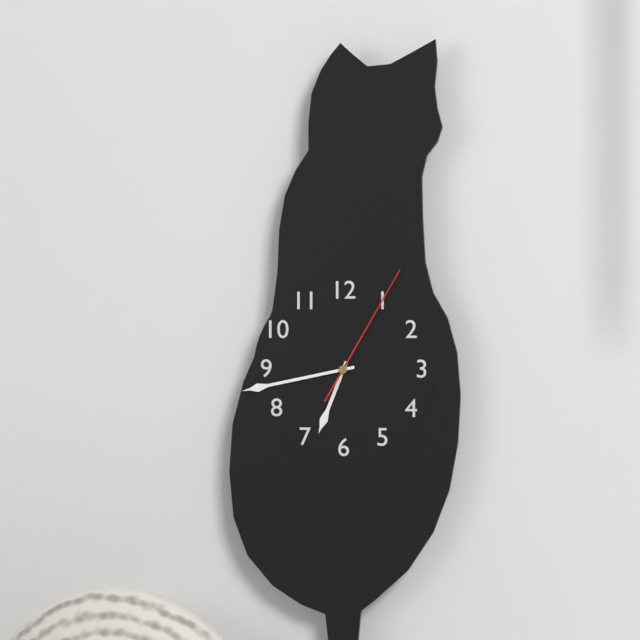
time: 6:43:05
